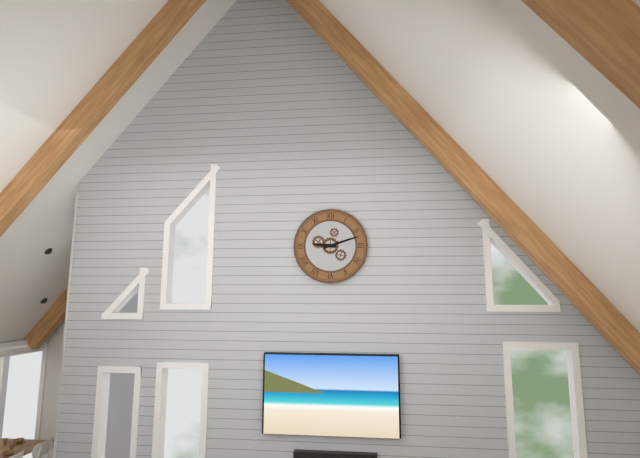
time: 9:12
